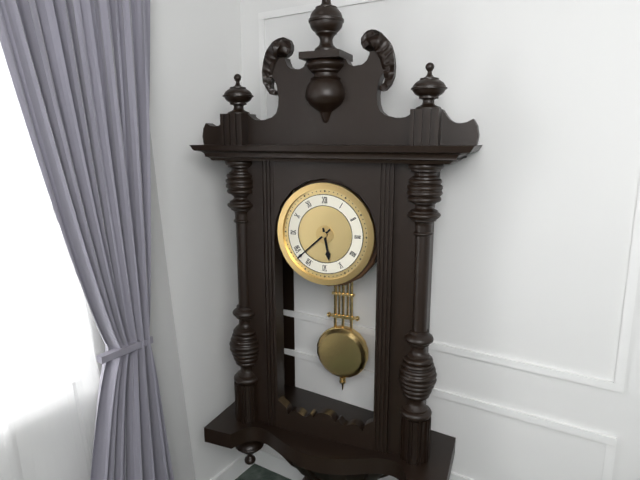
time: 5:38
